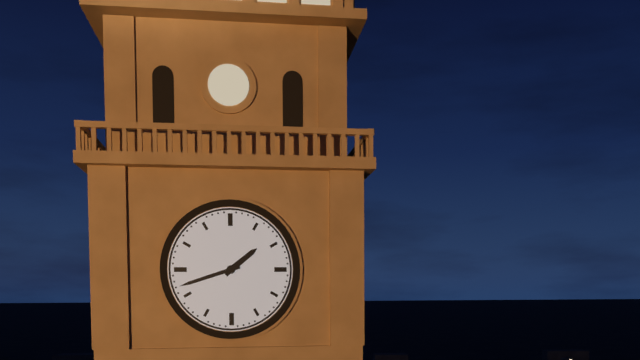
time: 1:42
